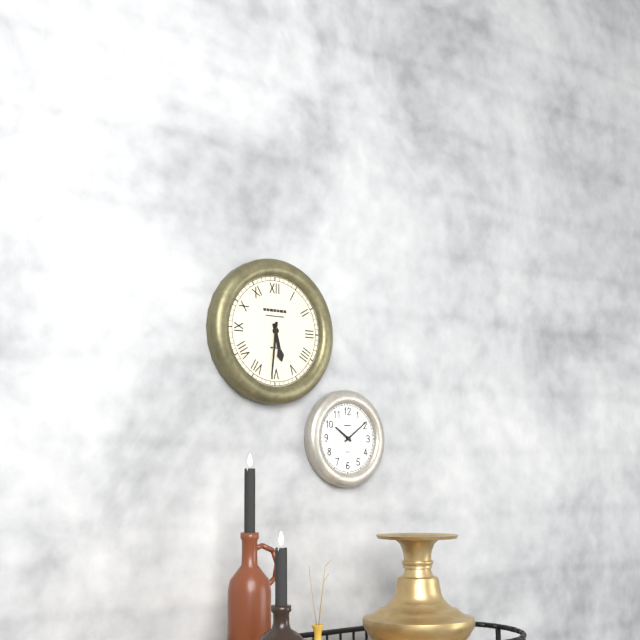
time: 5:31
